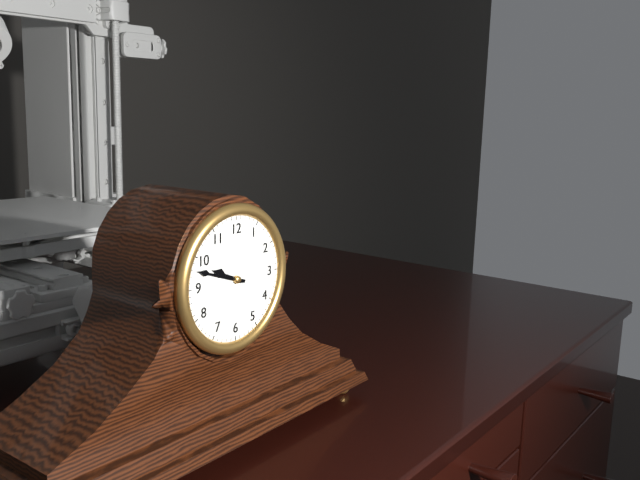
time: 9:48
